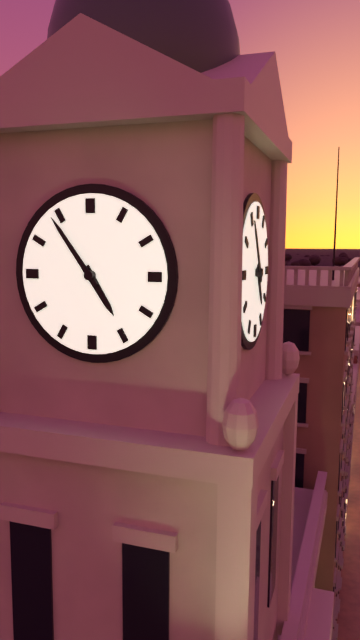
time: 4:54
